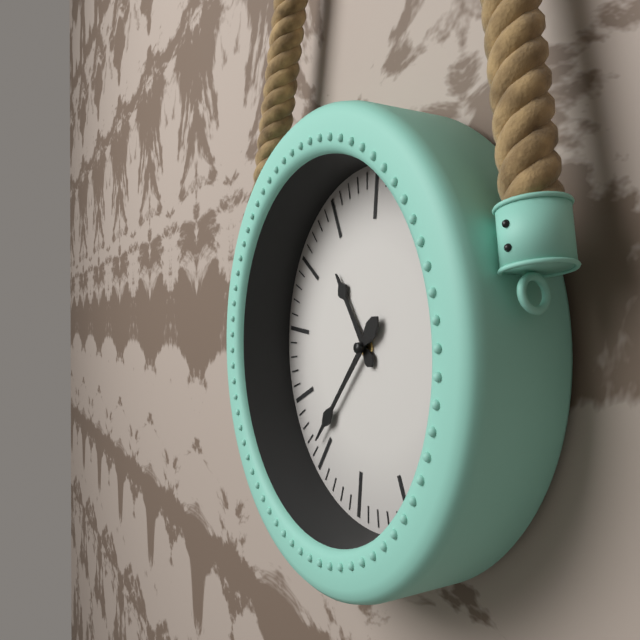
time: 10:36
